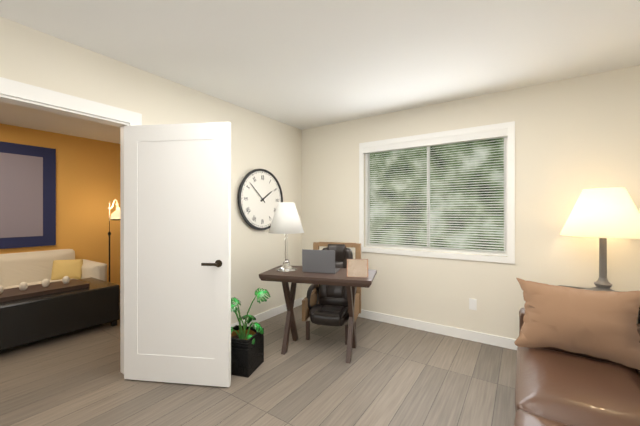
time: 1:52
